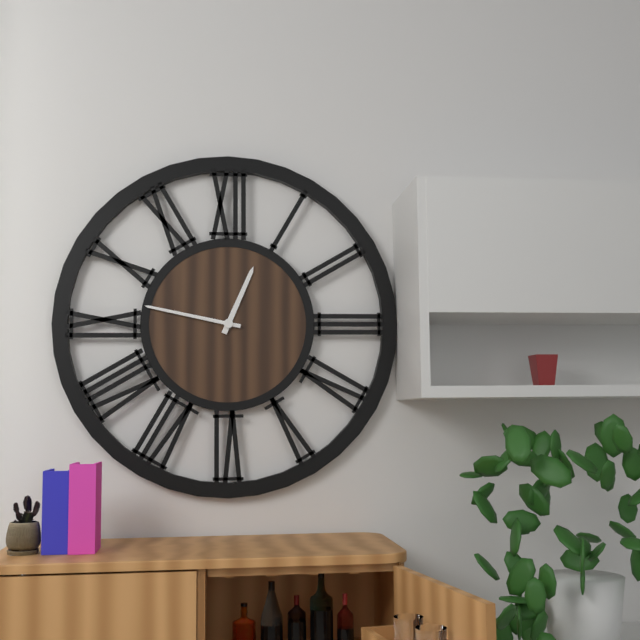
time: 12:47
